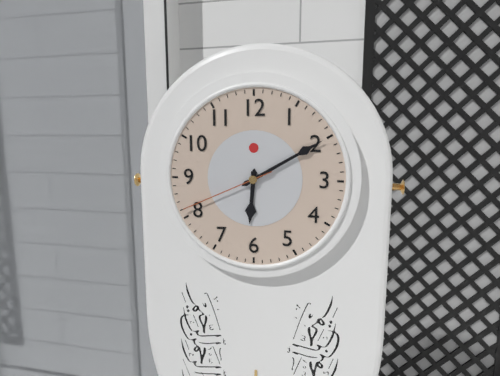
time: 6:10:41
